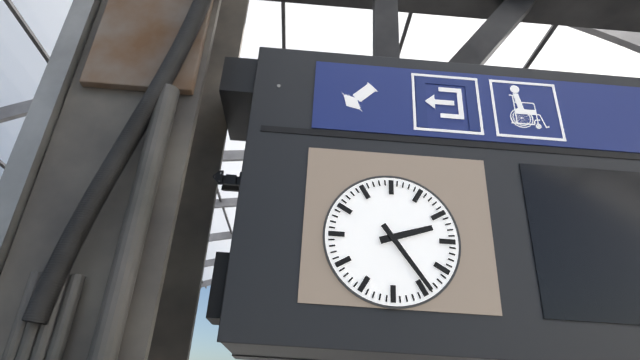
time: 2:24
